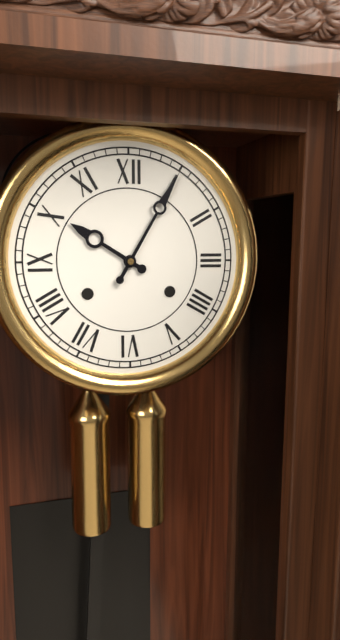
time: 10:05
